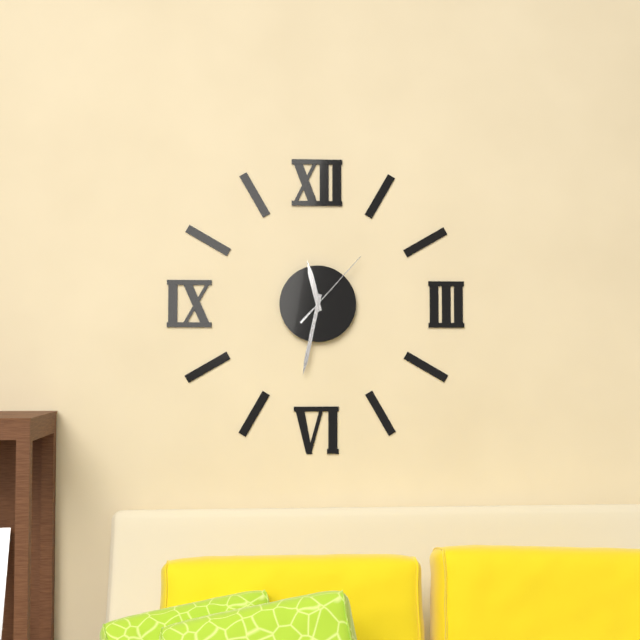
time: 11:32:07
